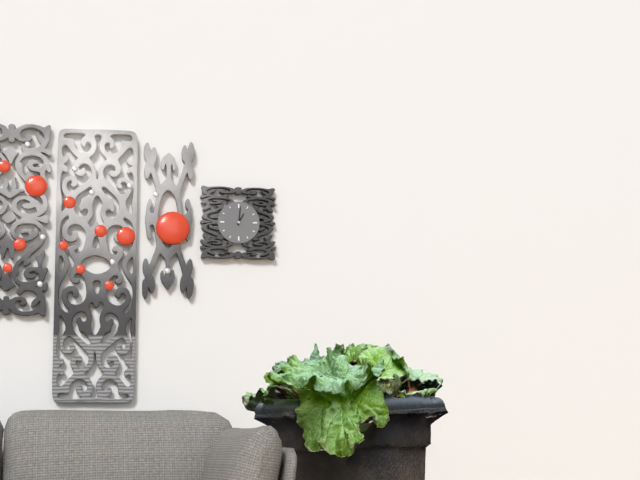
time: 1:01
